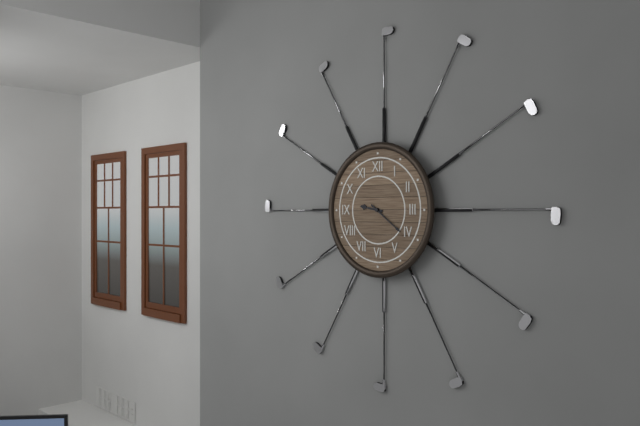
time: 9:21
